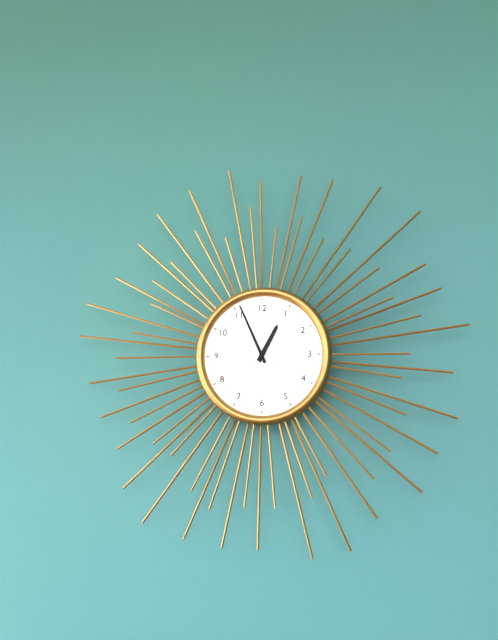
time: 12:56
